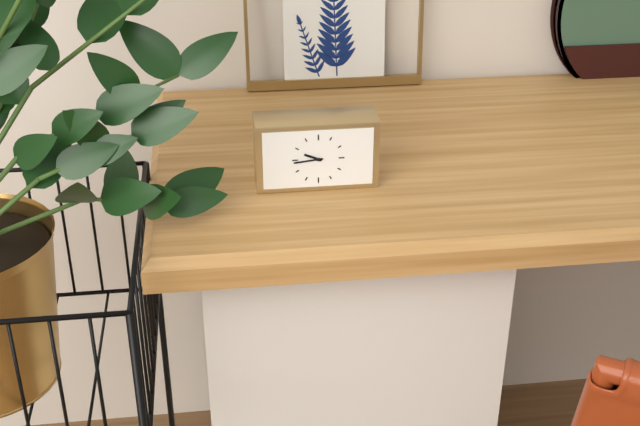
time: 9:44
